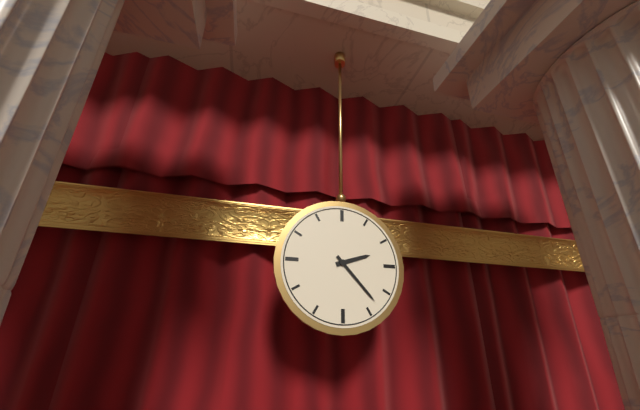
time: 2:23
